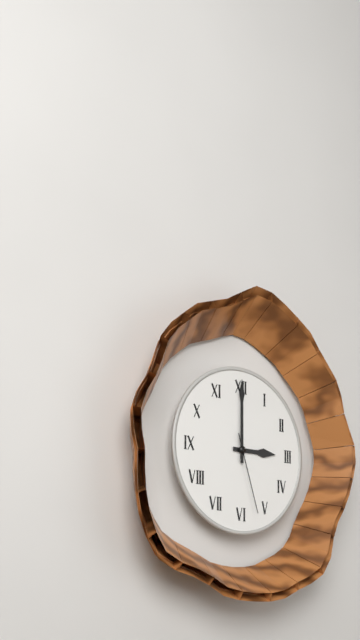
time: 3:00:27
